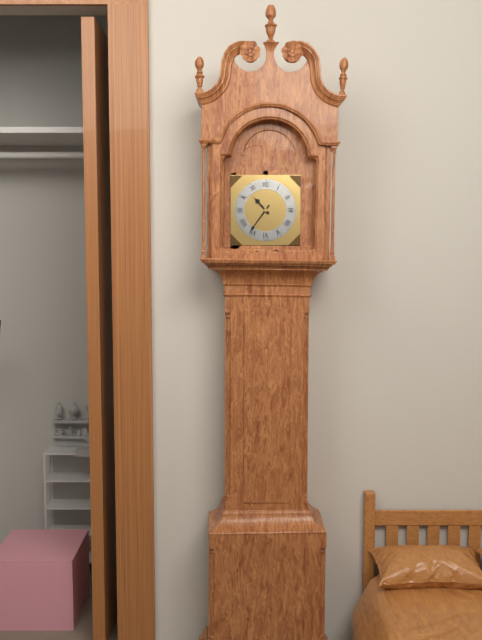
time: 10:36
